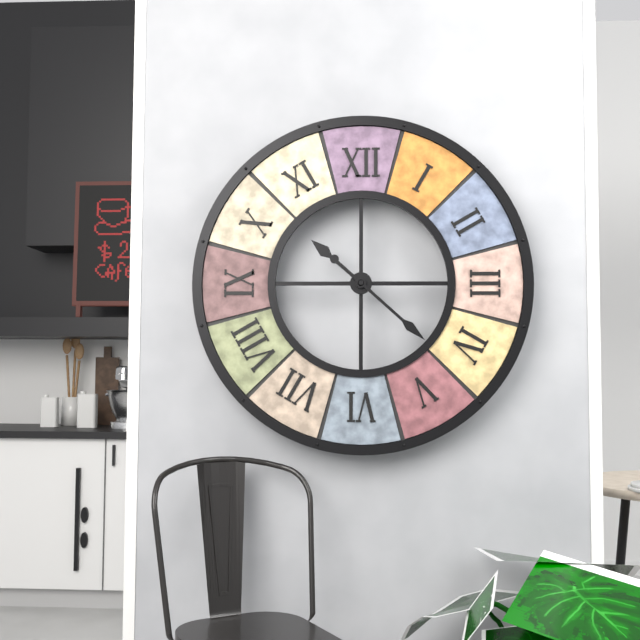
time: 10:22
